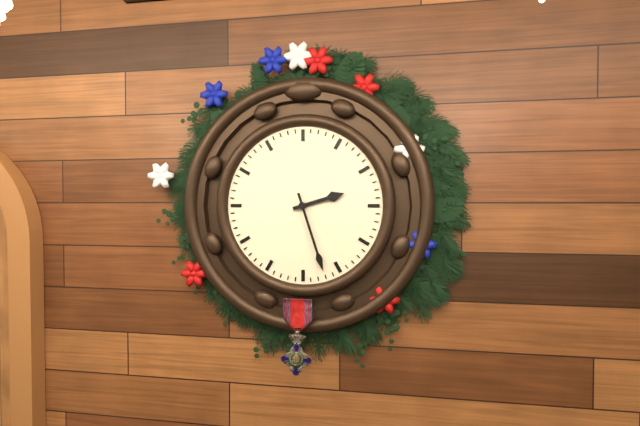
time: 2:27
